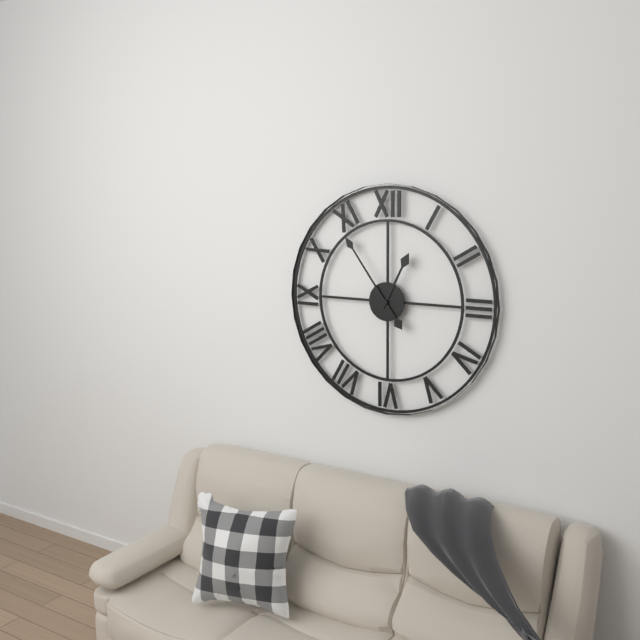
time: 12:54
